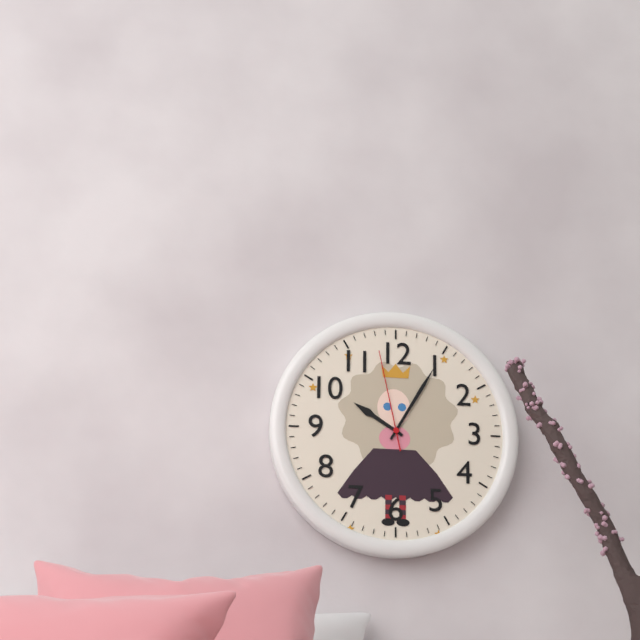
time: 10:05:58
